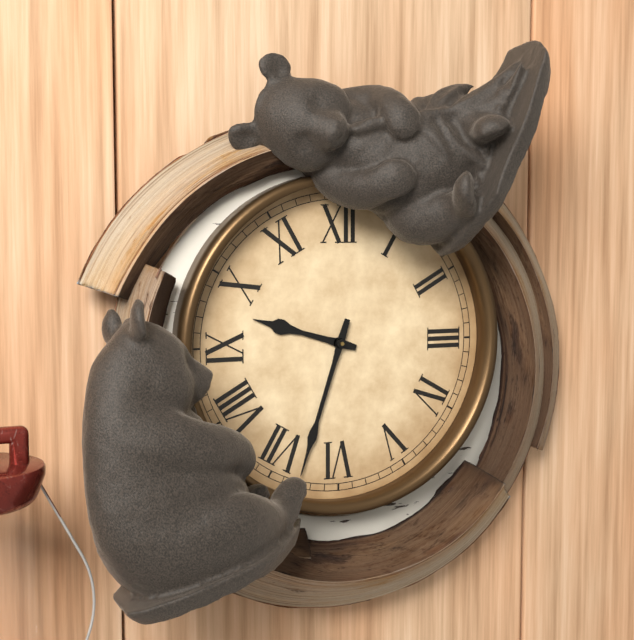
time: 9:33
